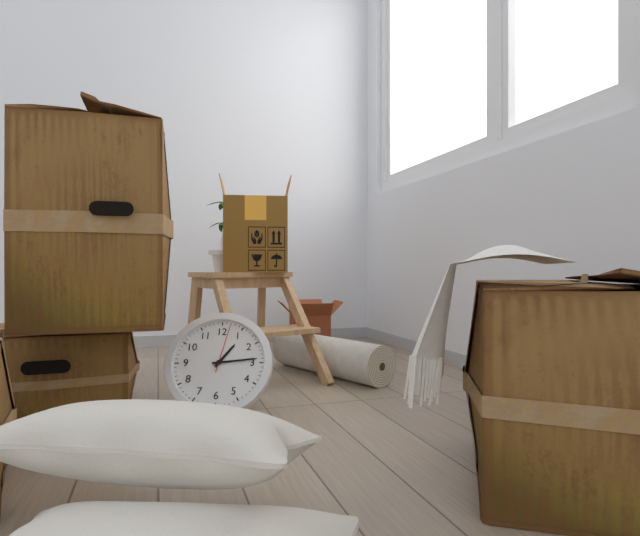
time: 1:14
